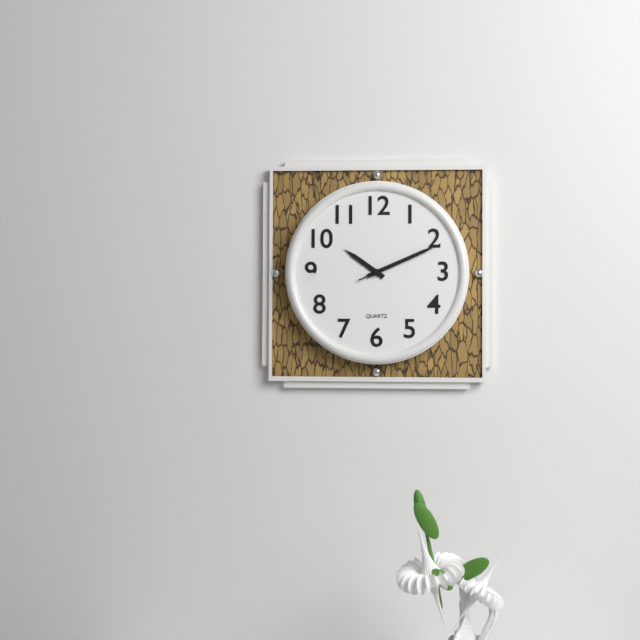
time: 10:11:11
